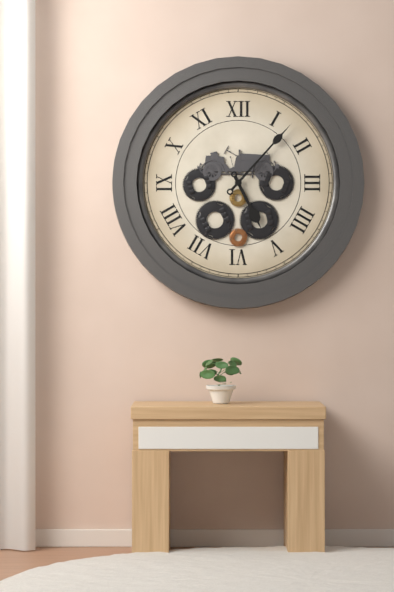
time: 5:07
